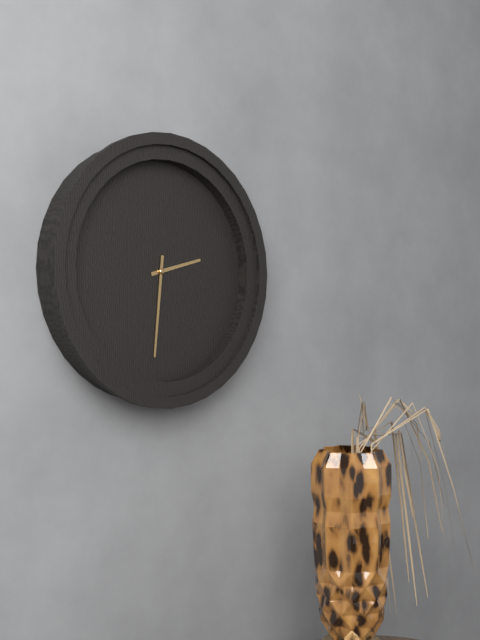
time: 2:31
